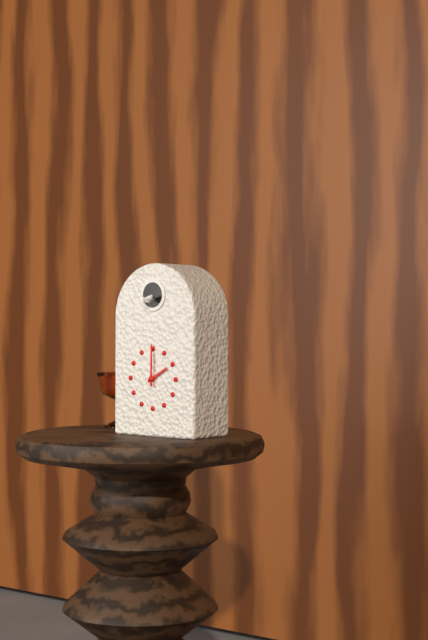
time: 2:00
